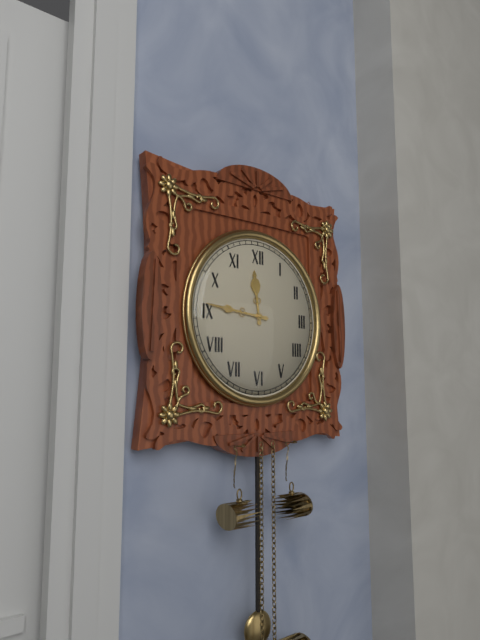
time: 11:46
